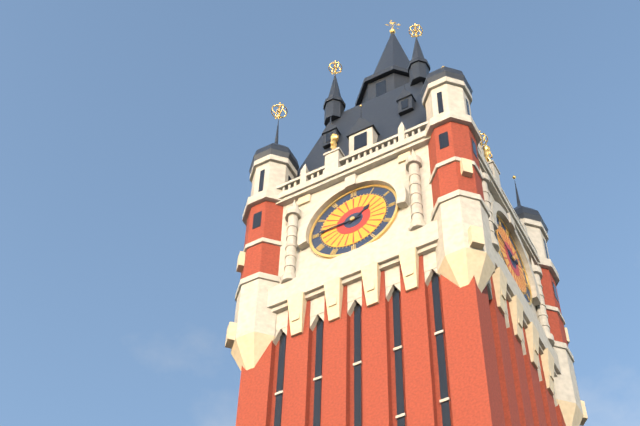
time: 1:45
